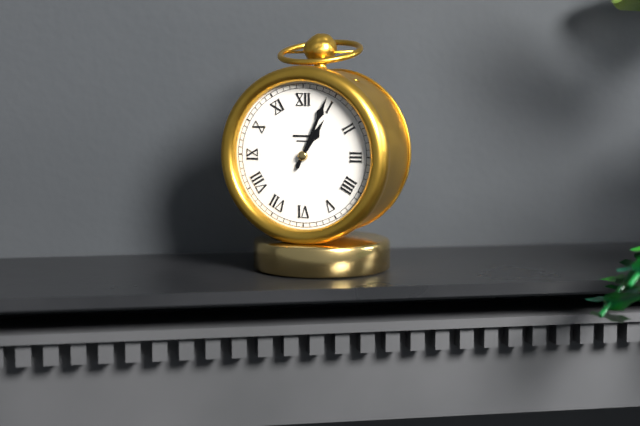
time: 1:04
